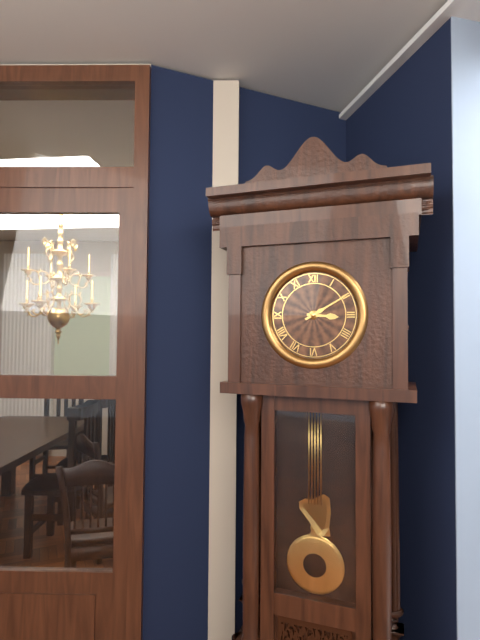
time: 3:10
